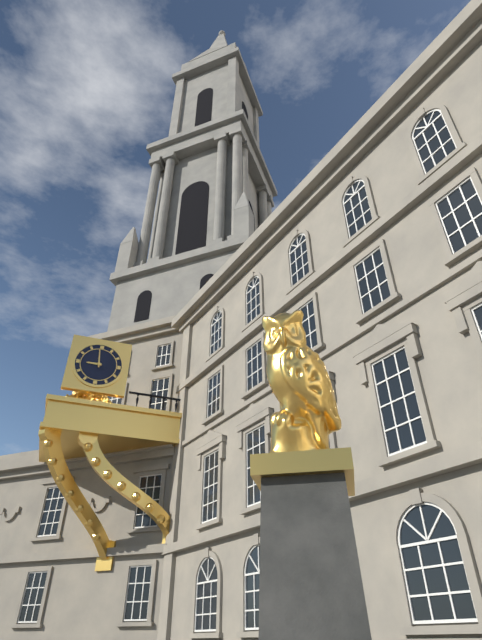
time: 8:59
